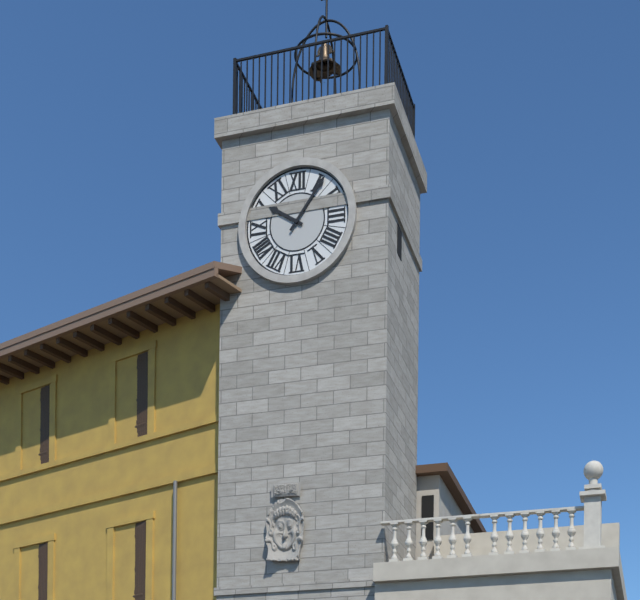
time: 10:06
